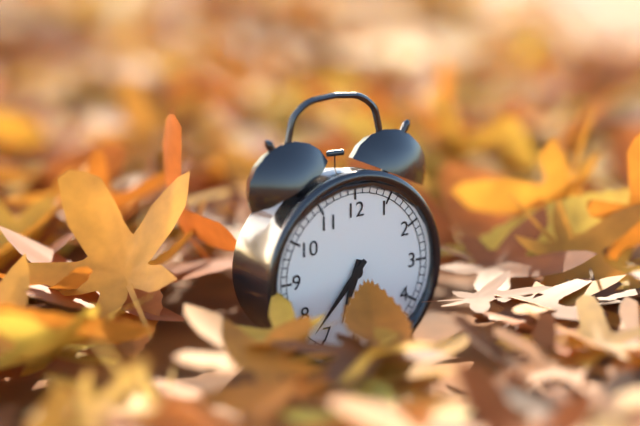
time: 6:37
